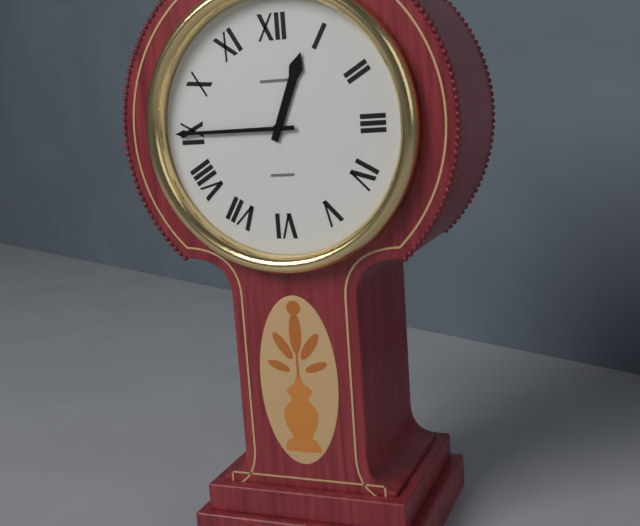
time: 12:45
